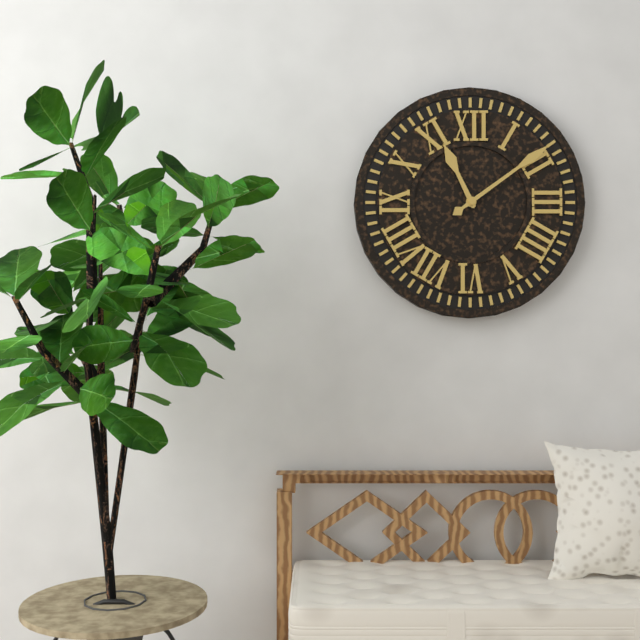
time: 11:09
